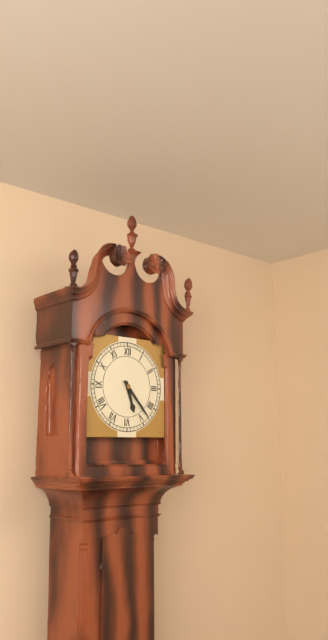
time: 5:23
